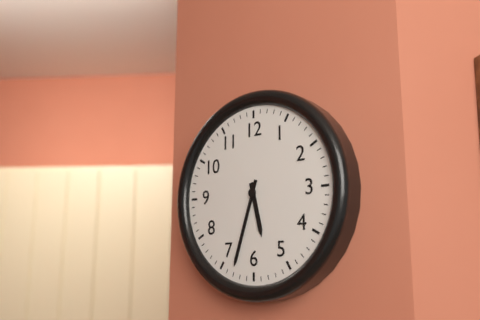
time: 5:33
